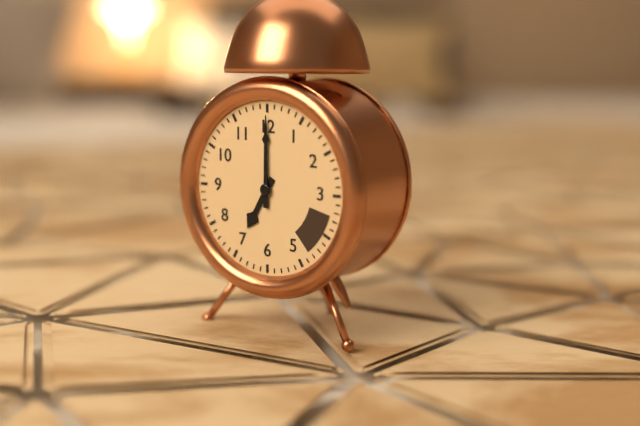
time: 7:00
